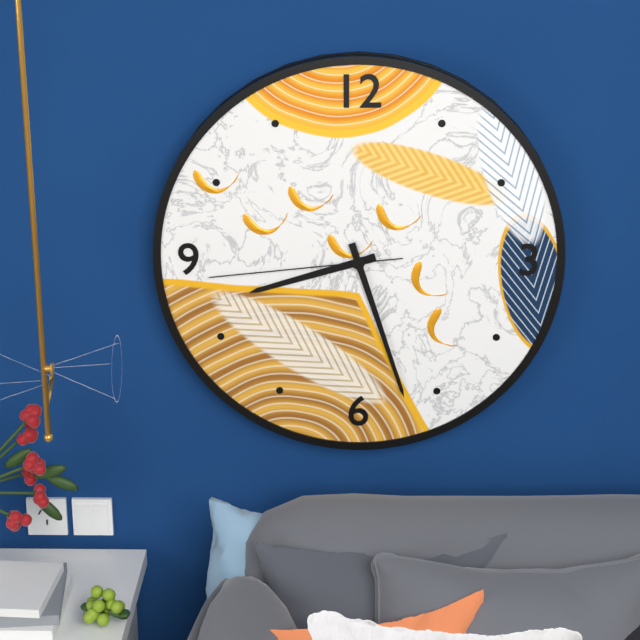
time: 8:27:44
